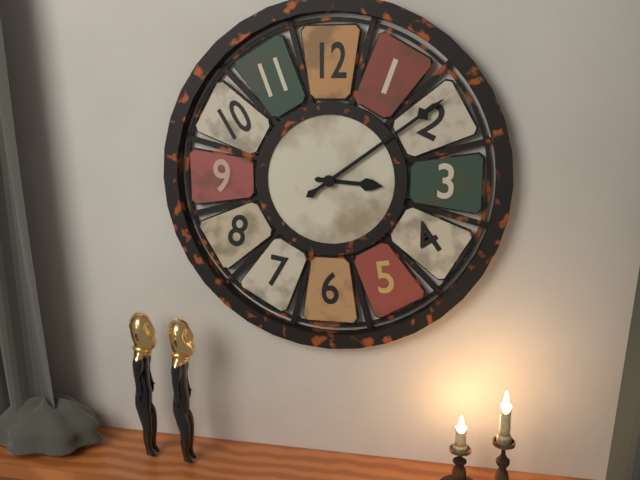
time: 3:09
